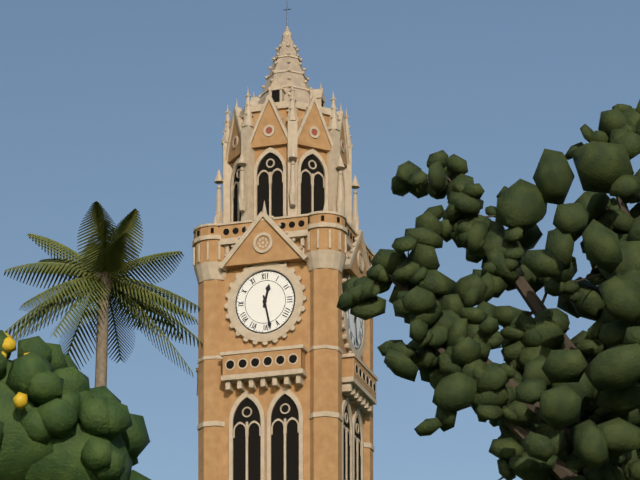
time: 12:28
